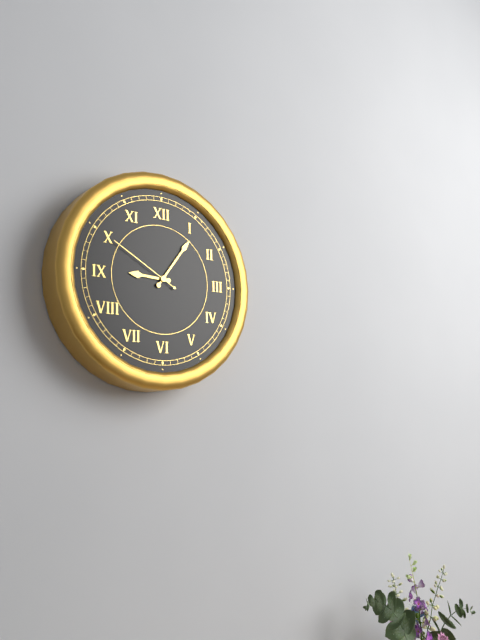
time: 9:06:50
